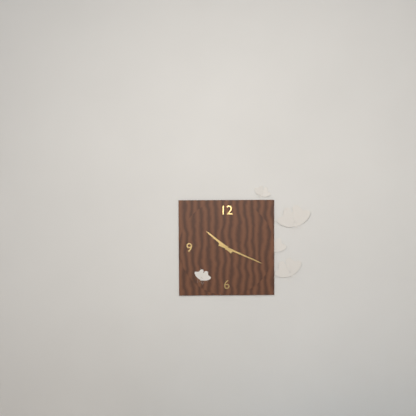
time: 10:19
